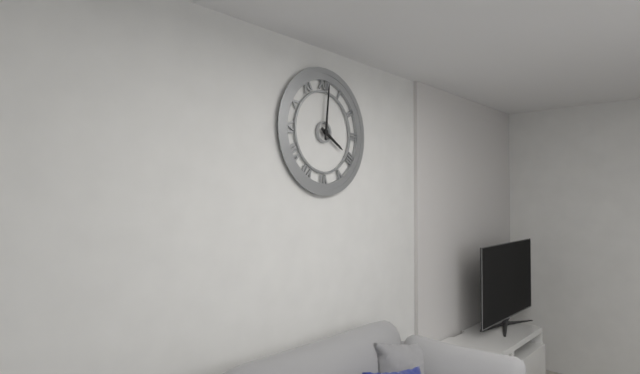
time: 4:01
